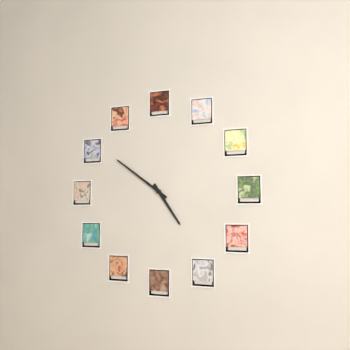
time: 4:51
